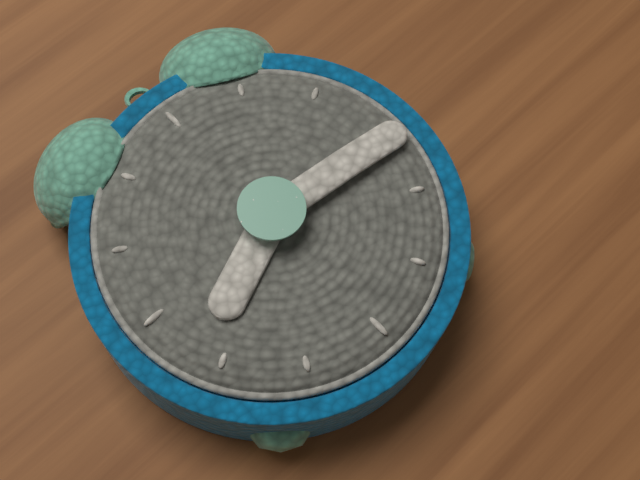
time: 8:16
